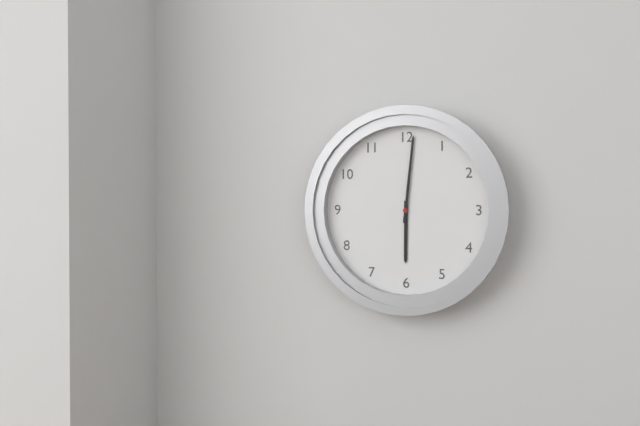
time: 6:01
